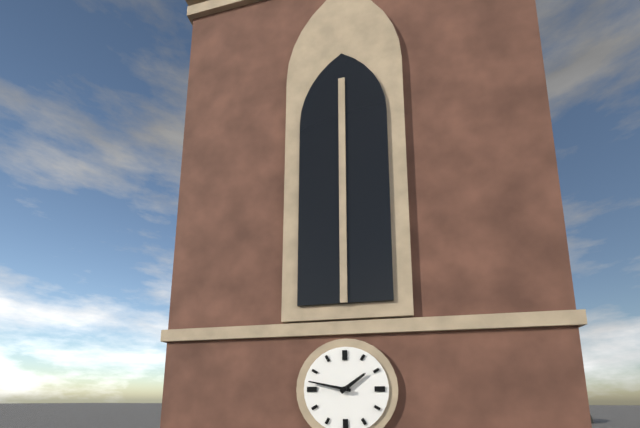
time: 1:47
